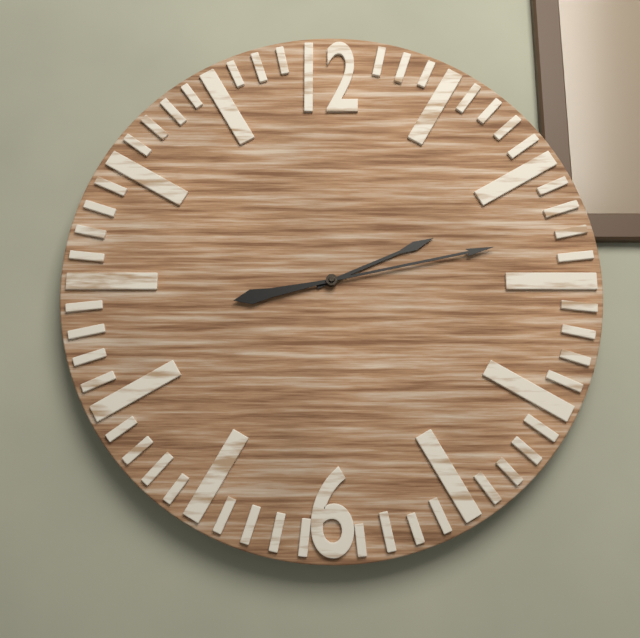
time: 2:13
